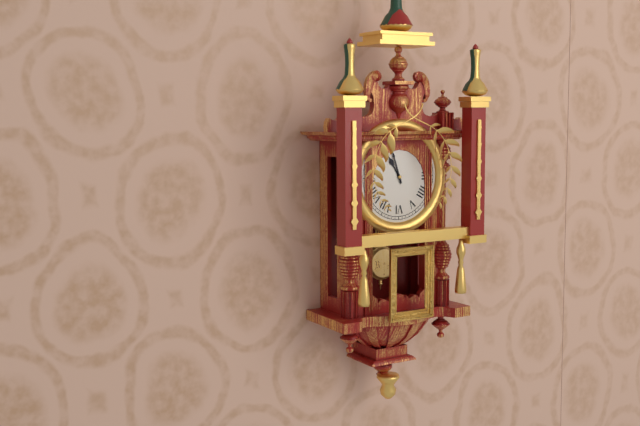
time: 10:57
